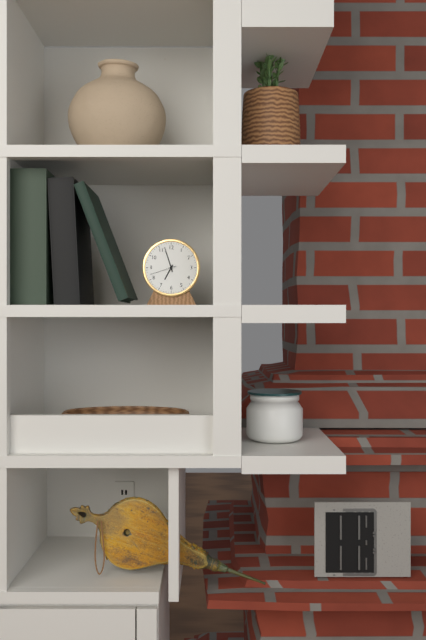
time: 6:57
